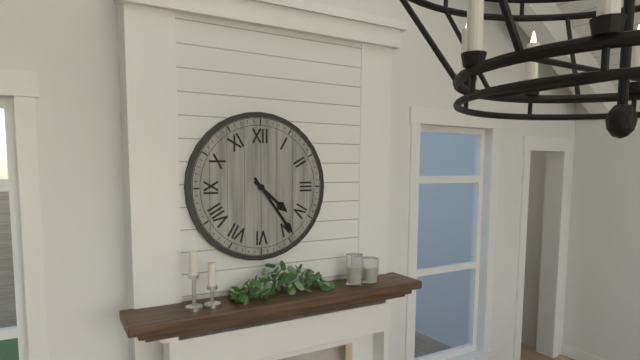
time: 4:24
